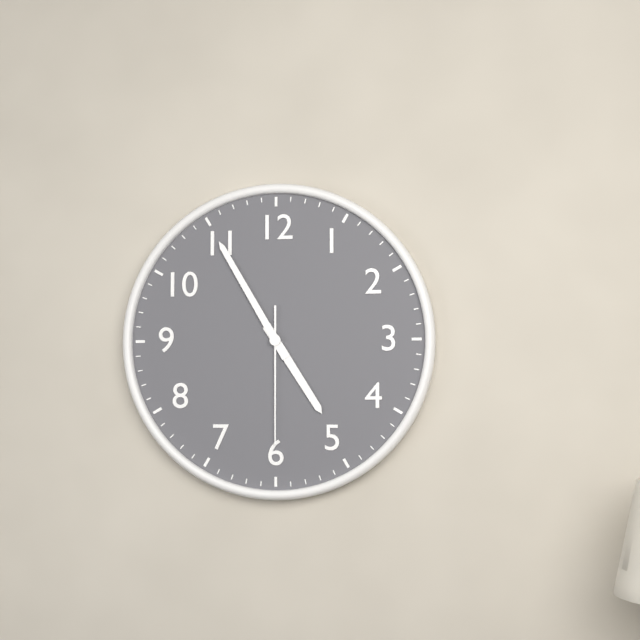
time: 4:55:30
